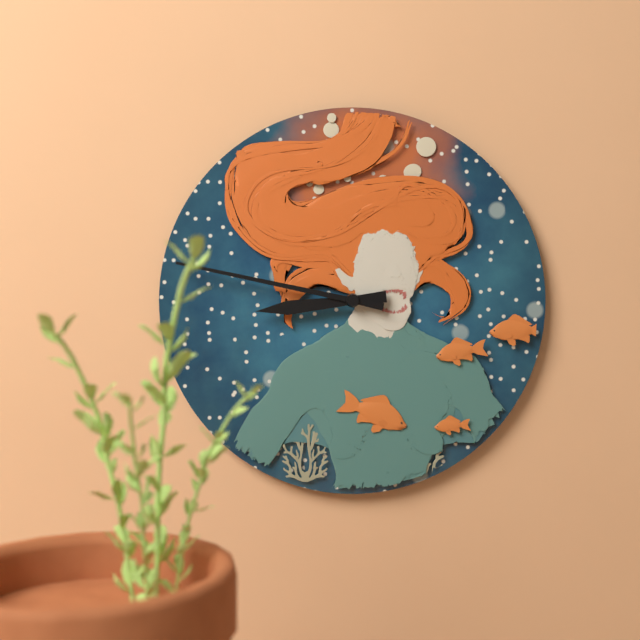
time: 8:47
